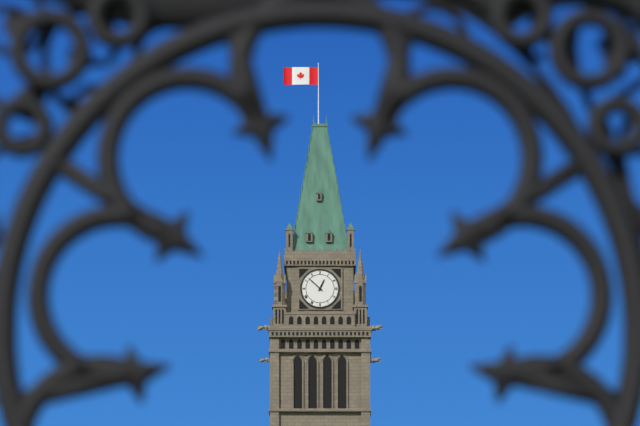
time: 12:52
